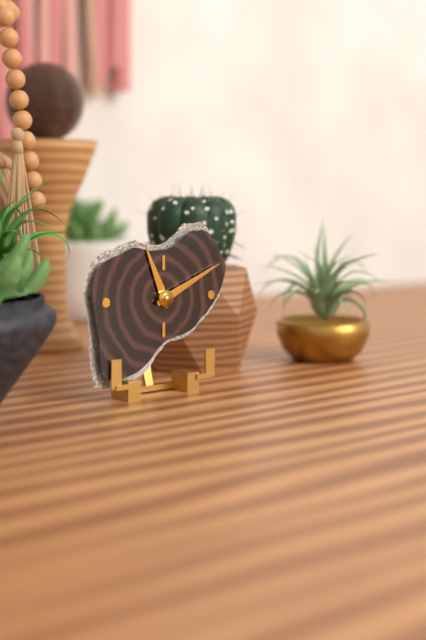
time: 11:11
